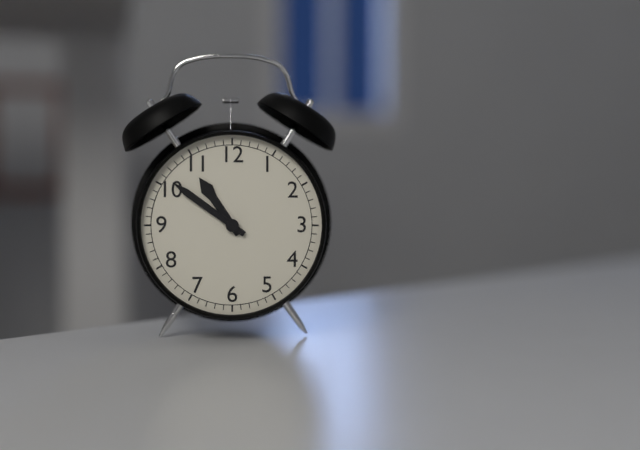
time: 10:51
